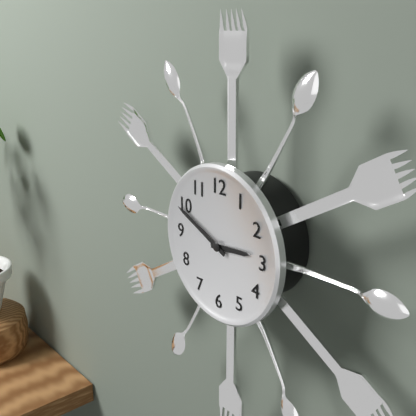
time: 2:49
